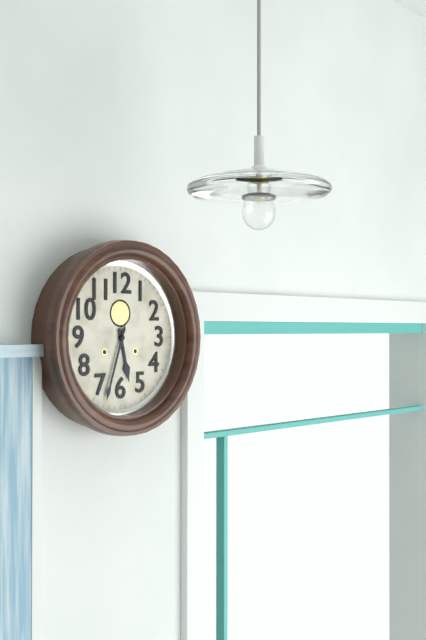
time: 5:33
